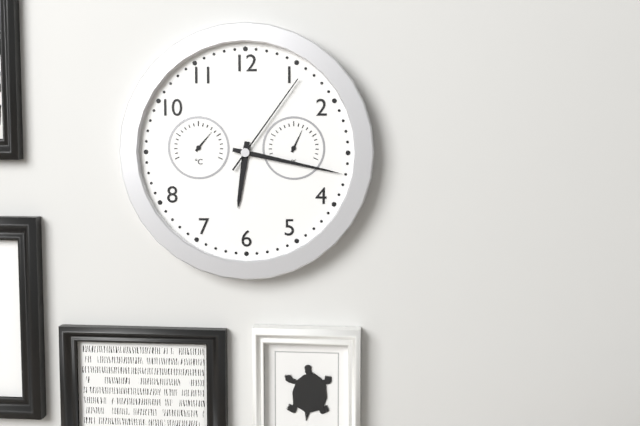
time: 6:17:06
